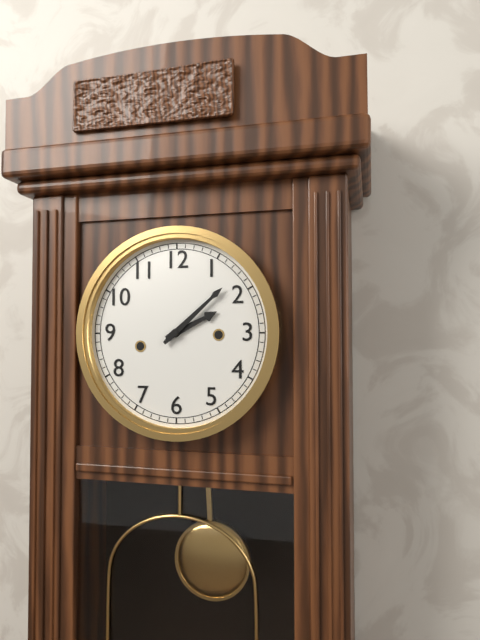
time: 2:08
